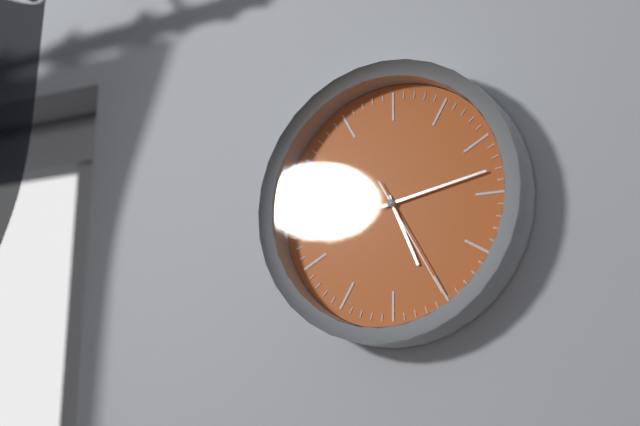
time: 5:13:25
